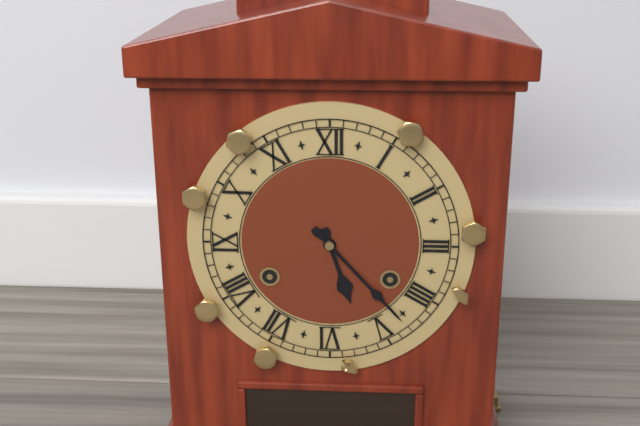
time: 5:23
